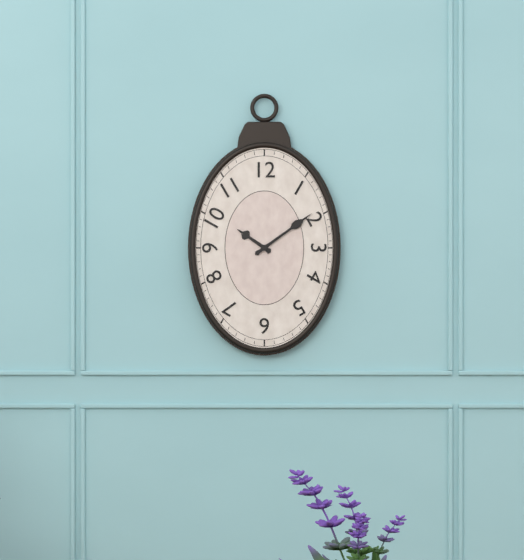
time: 10:09
